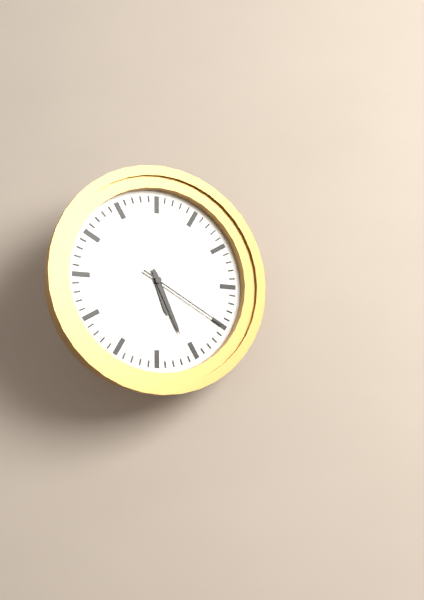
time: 5:26:20
